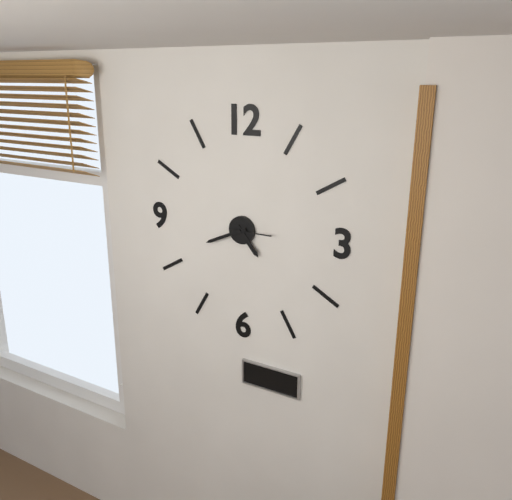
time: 4:41
